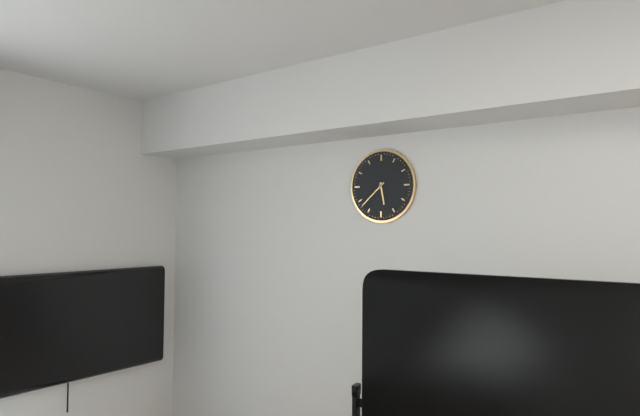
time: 5:38
